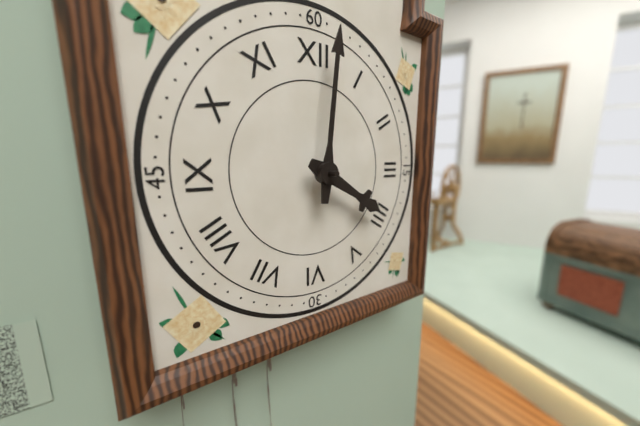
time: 4:01
